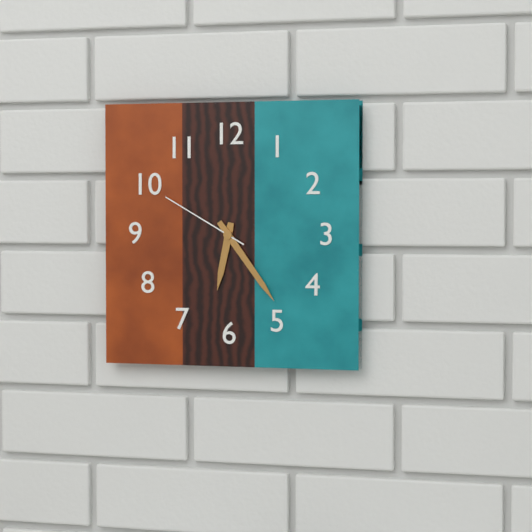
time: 6:24:50
